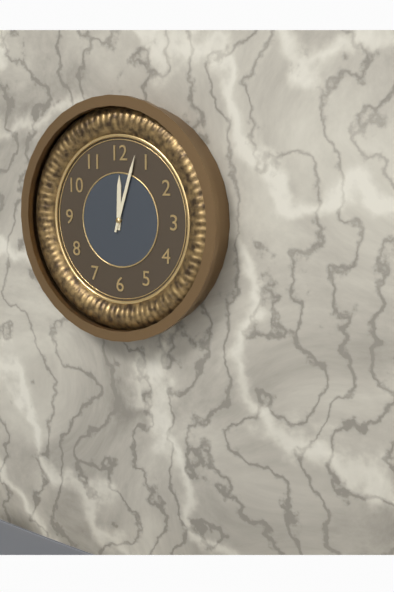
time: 12:03
